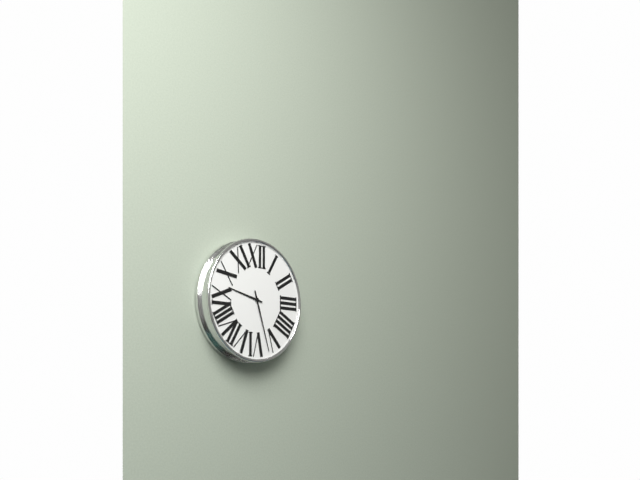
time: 9:27
